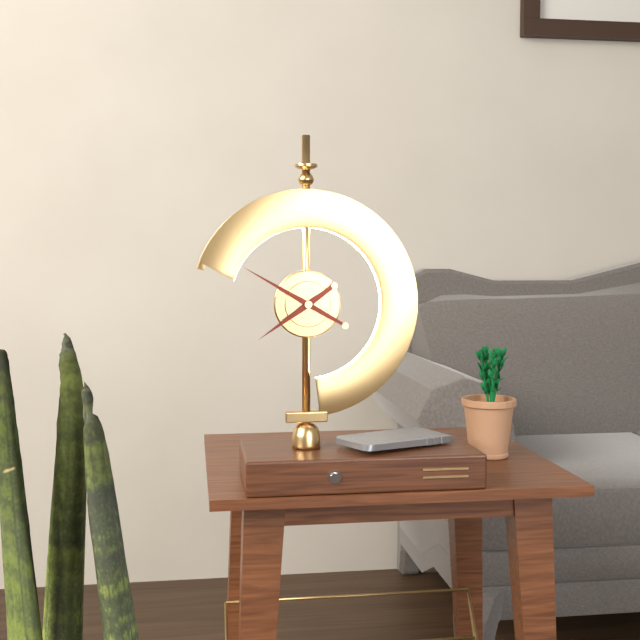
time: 7:50
